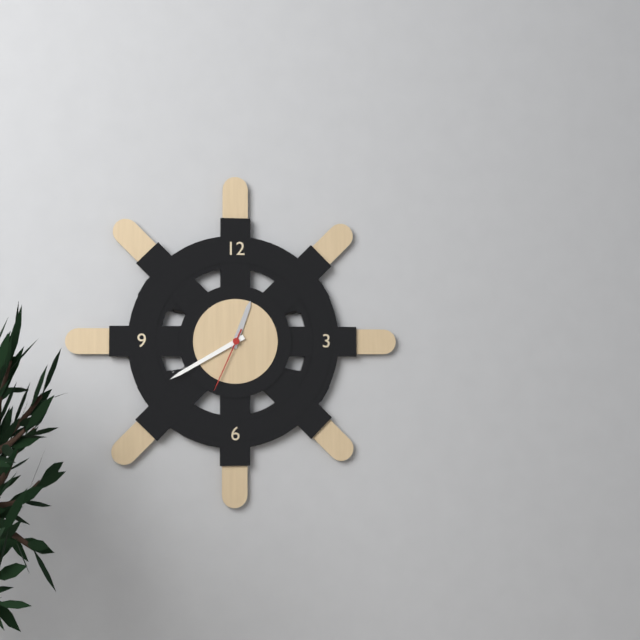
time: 12:40:34
